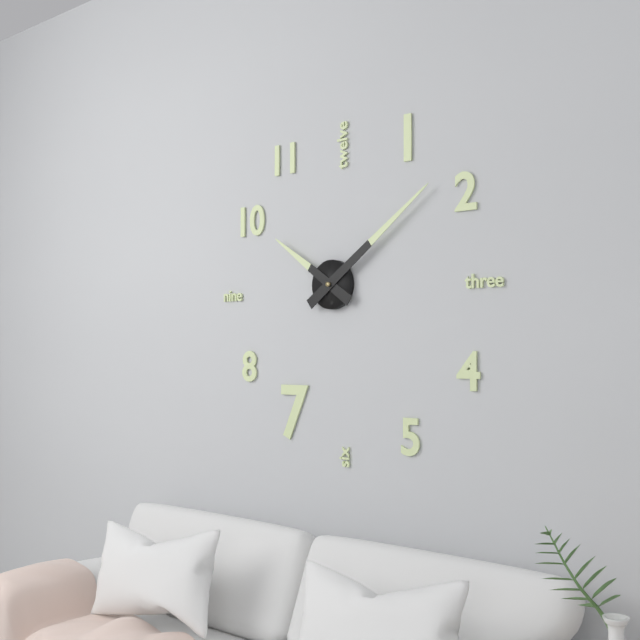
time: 10:09
